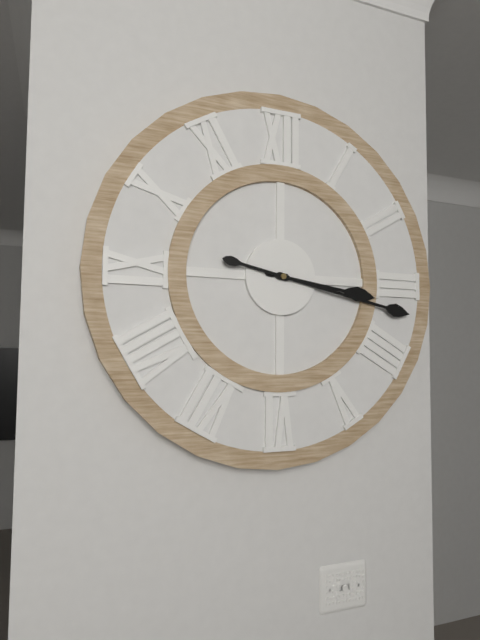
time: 3:17
